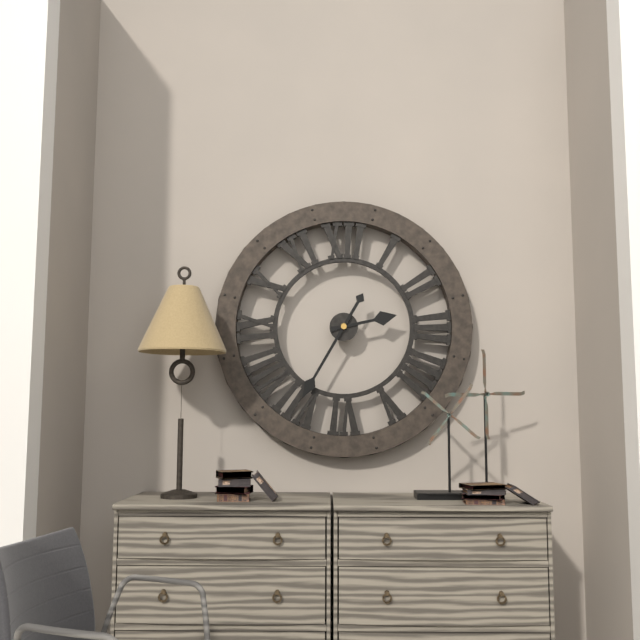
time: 2:35
